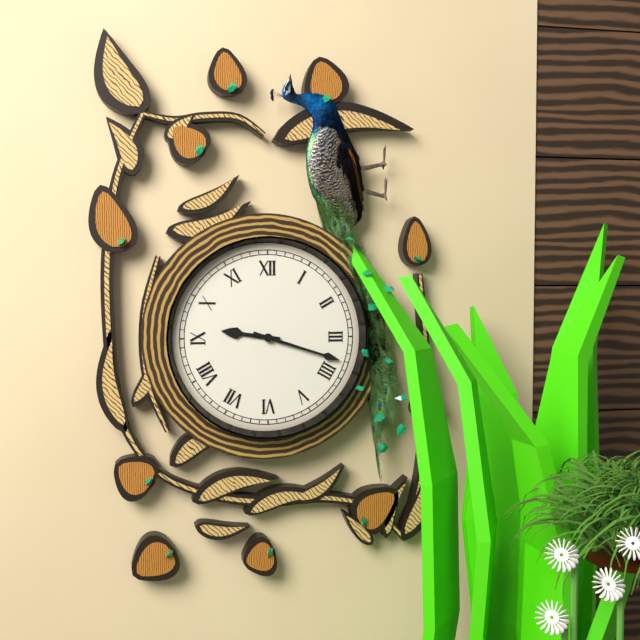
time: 9:18
